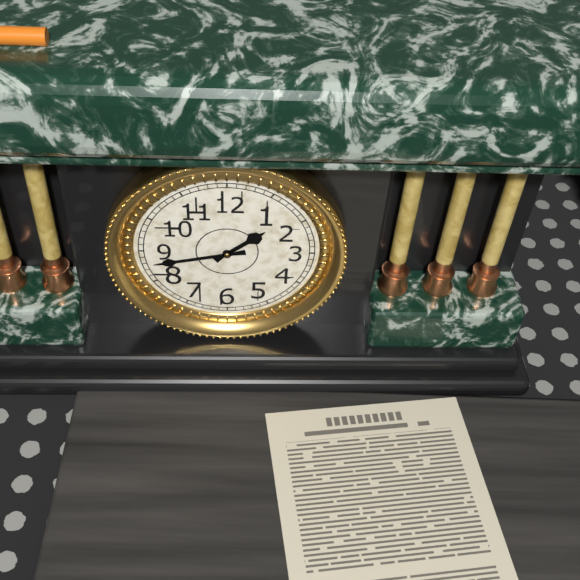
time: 1:43
